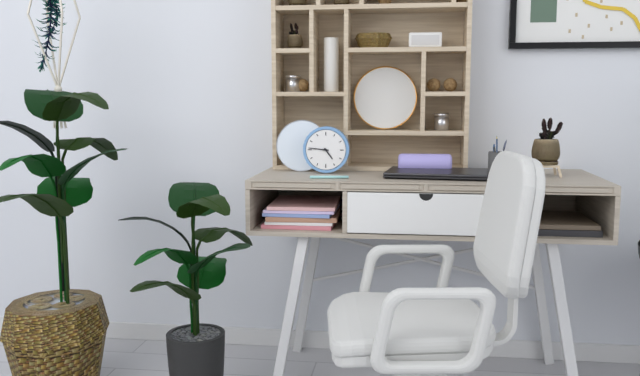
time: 4:46
